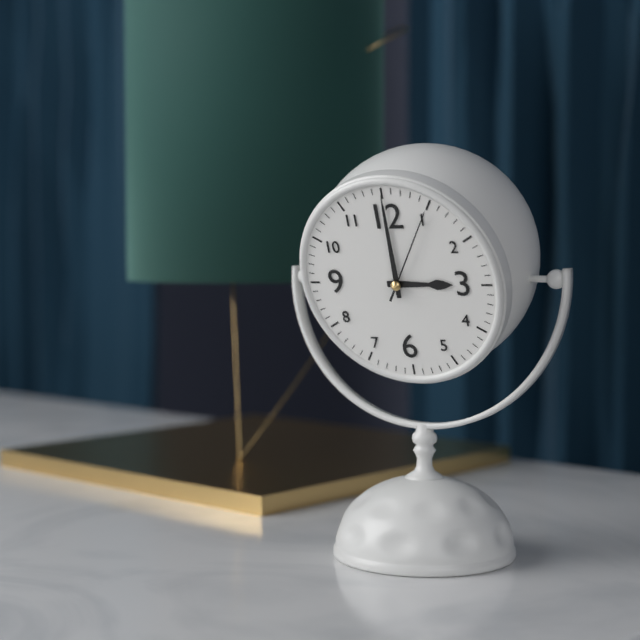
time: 3:00:05
